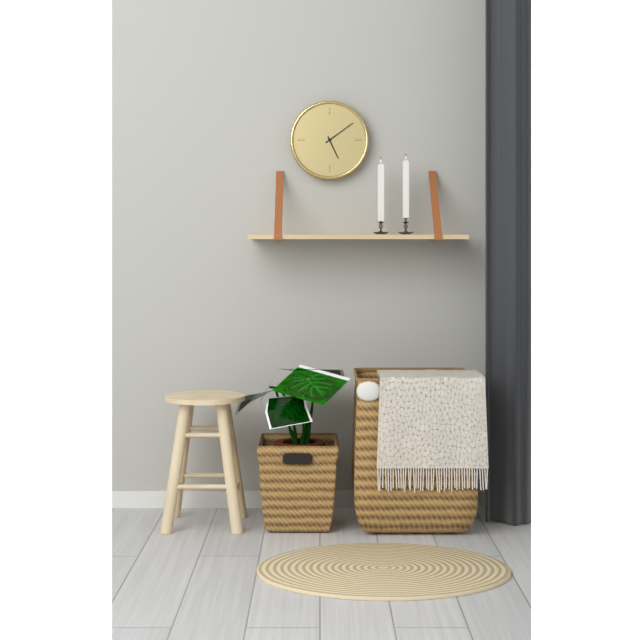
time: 5:09
